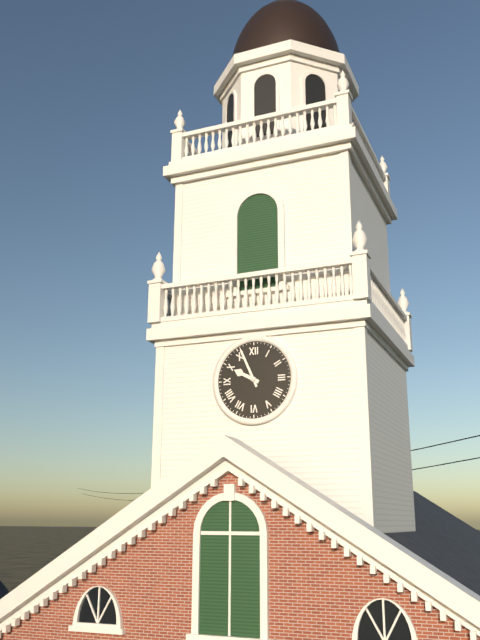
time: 9:56
